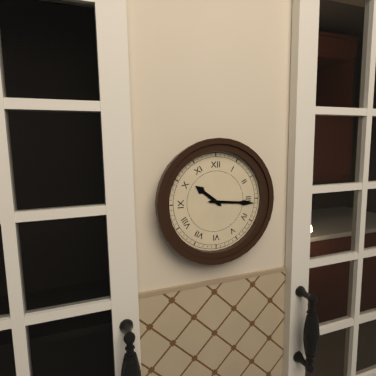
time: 10:16
